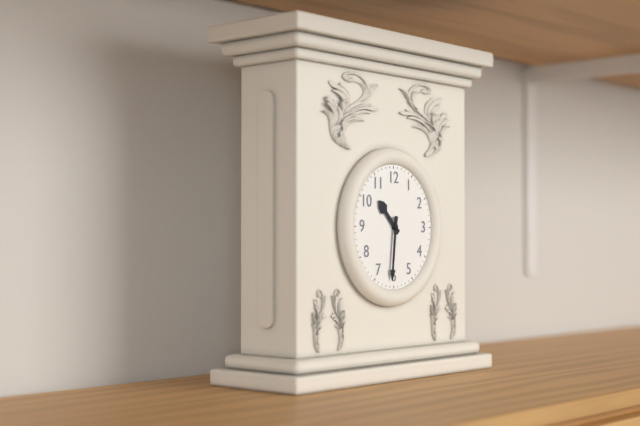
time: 10:31
